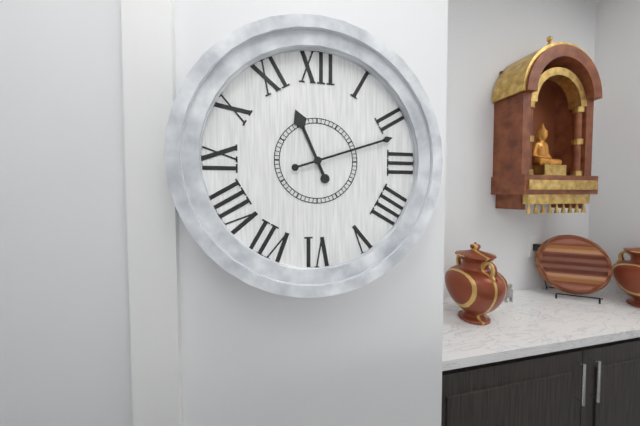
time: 11:12
